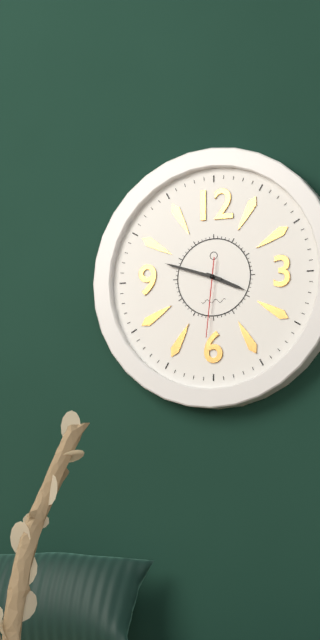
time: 3:48:31
